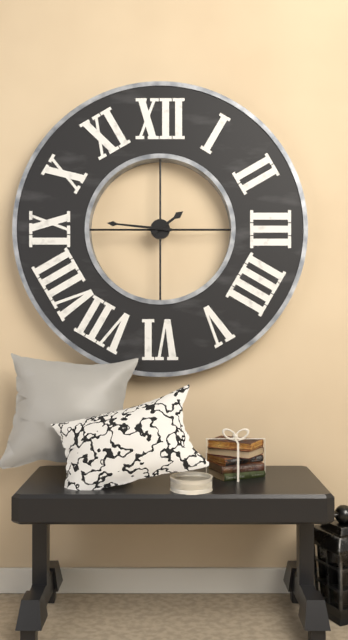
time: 1:46
